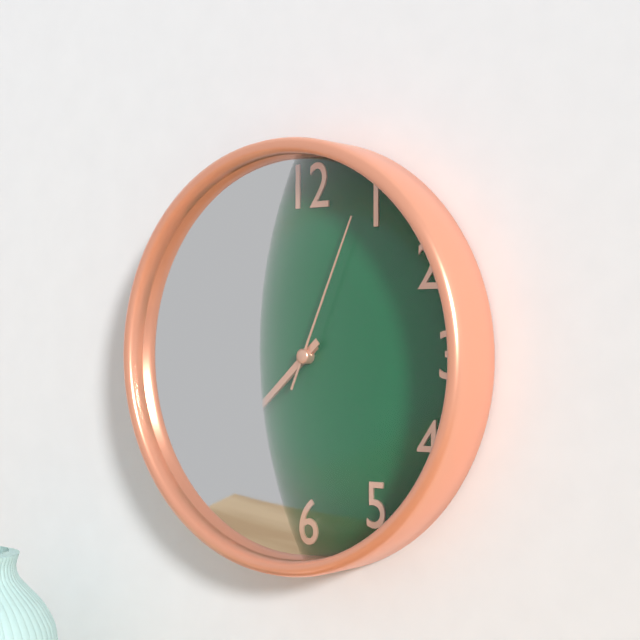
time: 7:38:04
